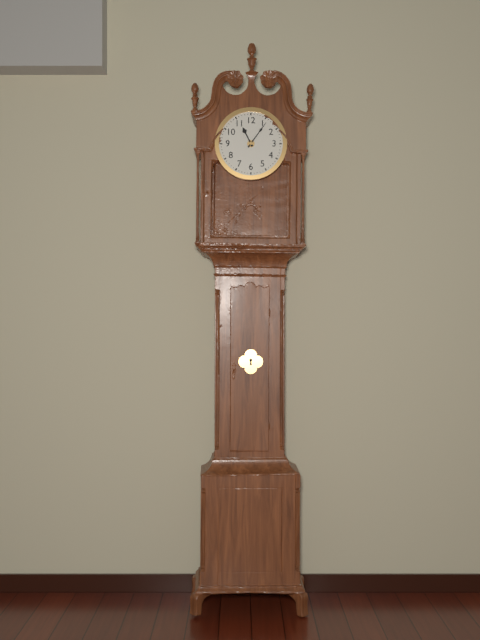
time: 11:06
